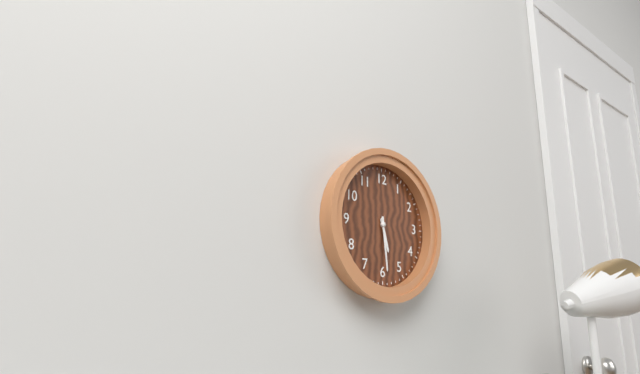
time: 5:29
